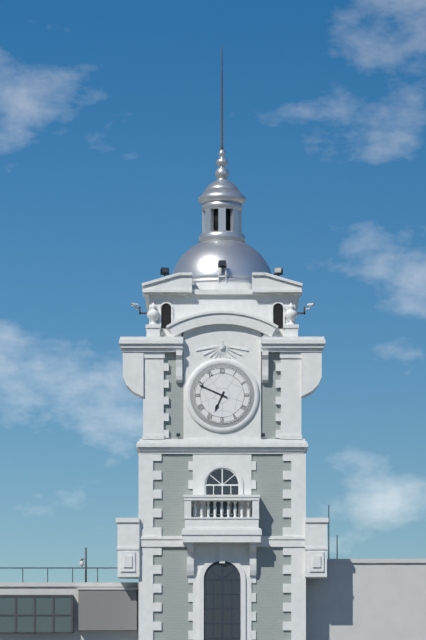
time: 6:49
